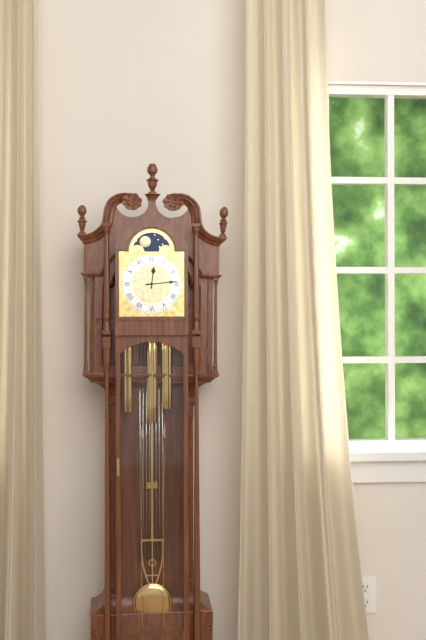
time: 12:14
